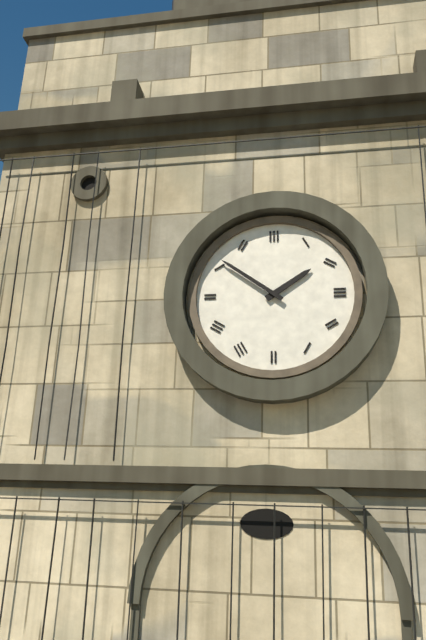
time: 1:51
